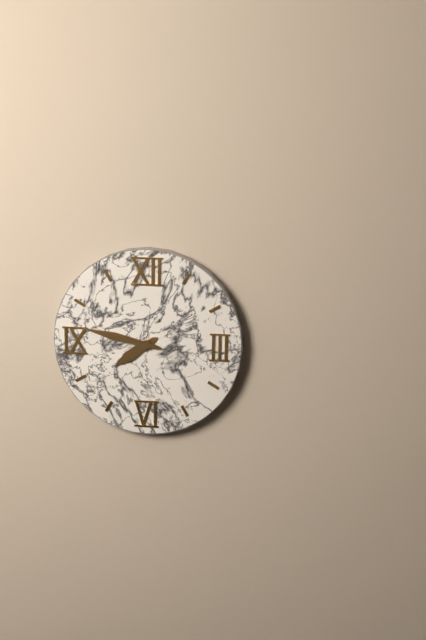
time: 7:47
